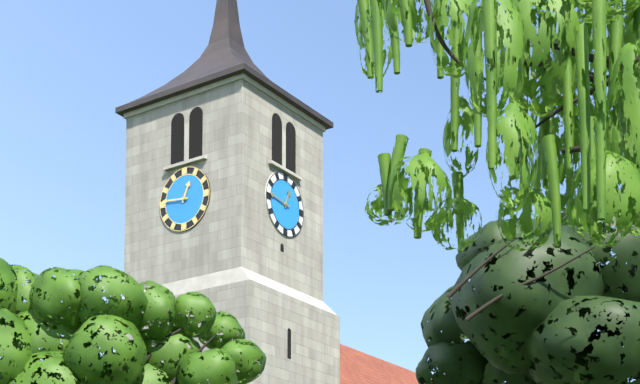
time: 12:46
